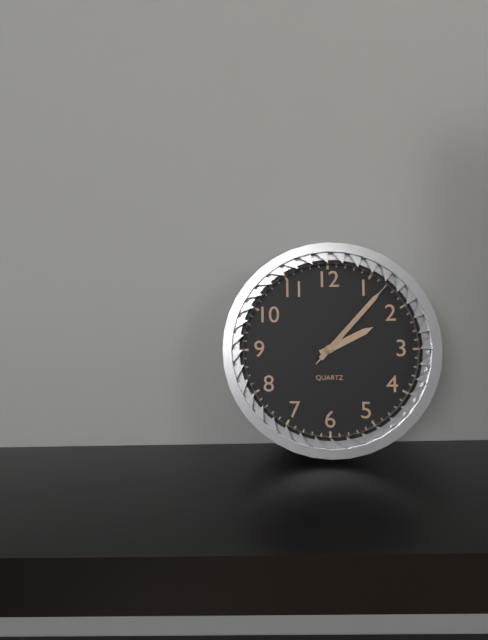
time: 2:07:07
